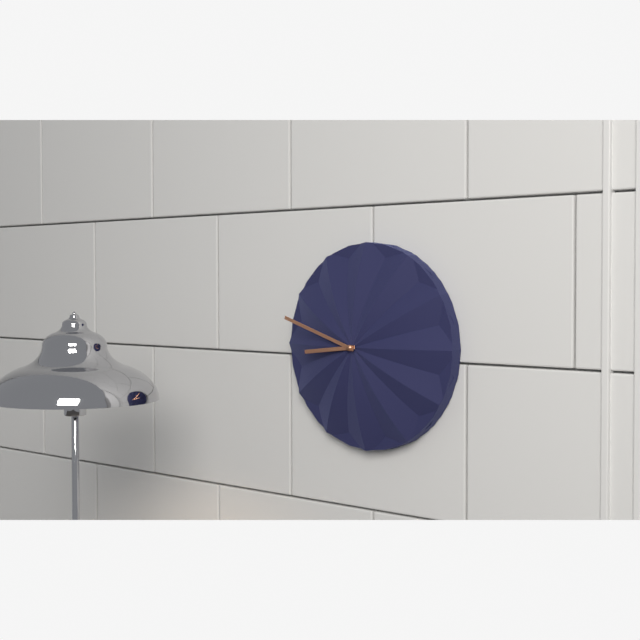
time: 8:48
